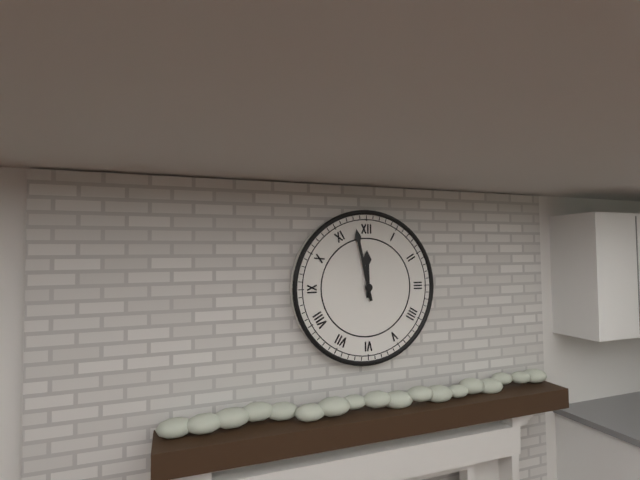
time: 11:58
